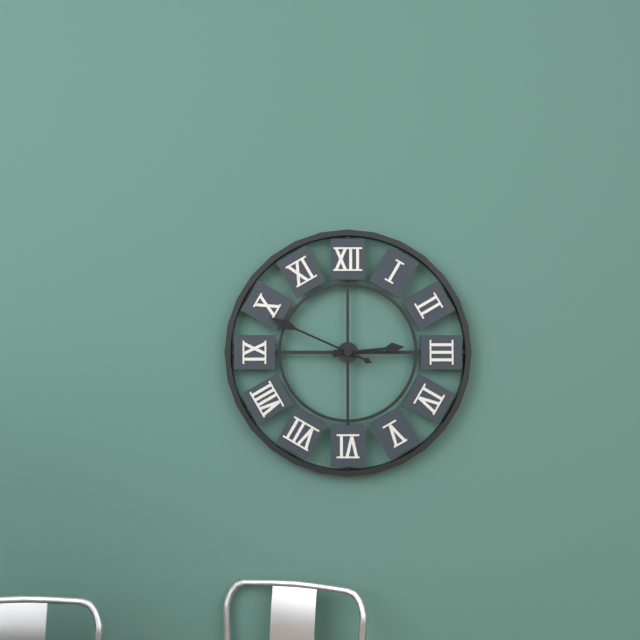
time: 2:49
